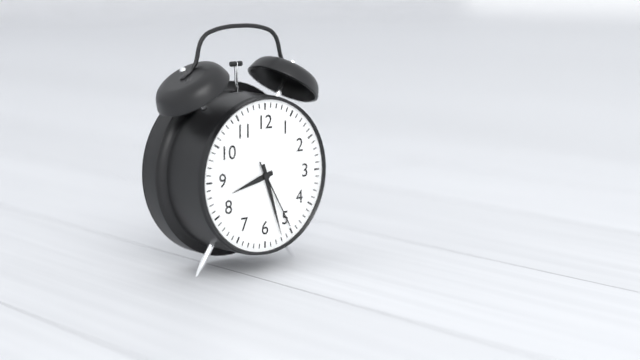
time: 8:27:25
